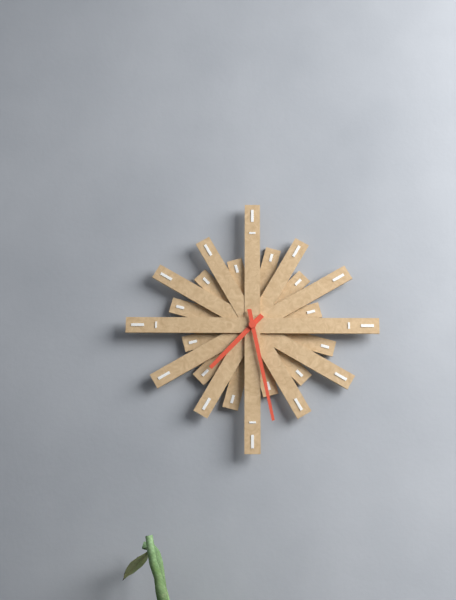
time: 7:28
